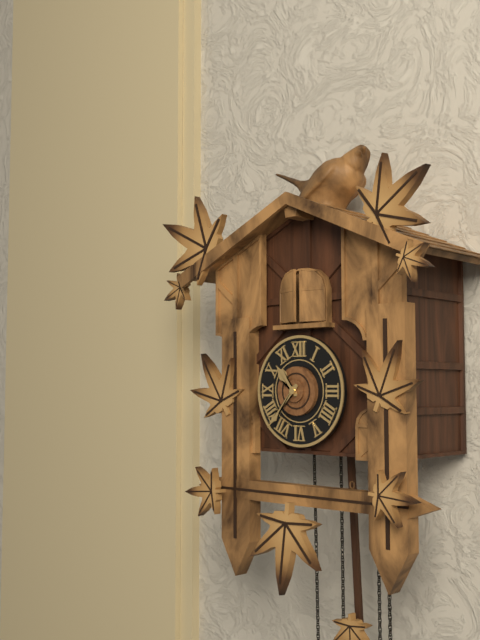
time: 10:37
